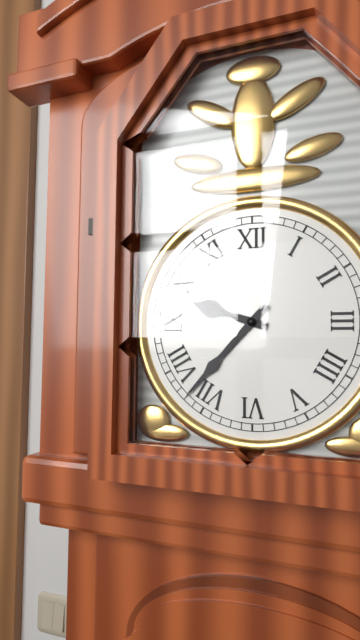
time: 9:37
